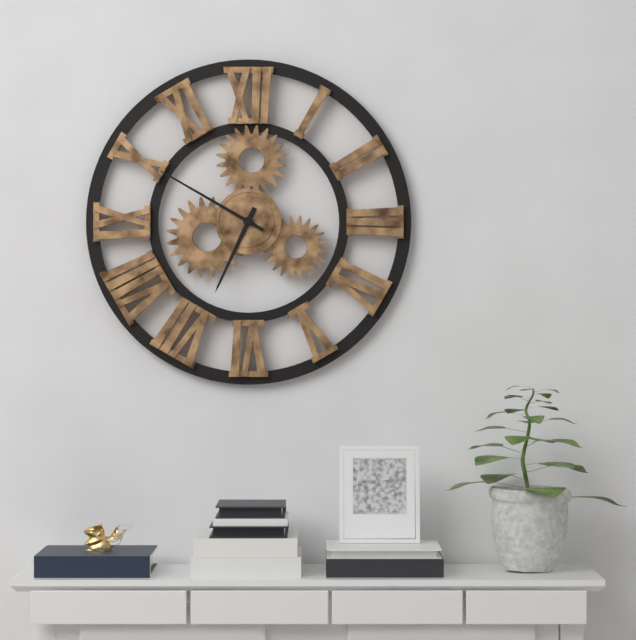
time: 6:50
